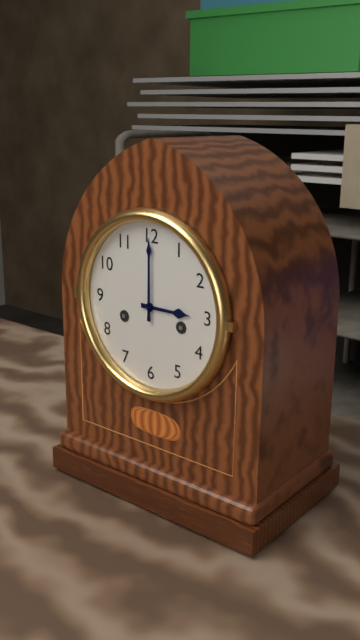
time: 3:00
